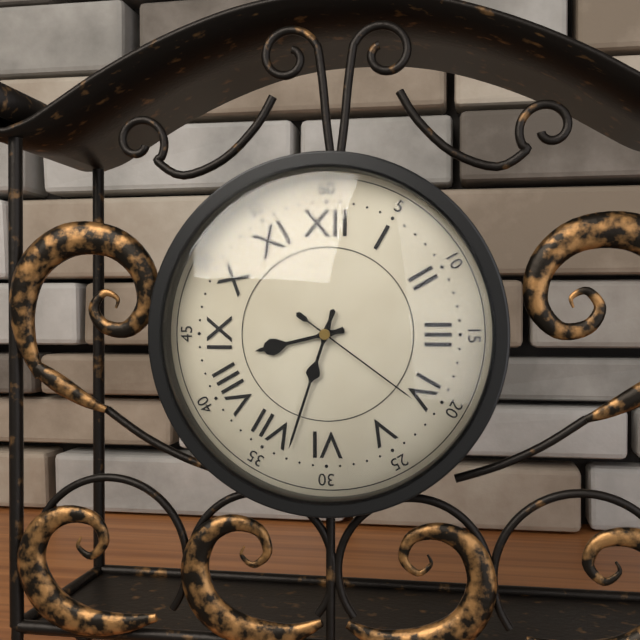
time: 8:33:21
